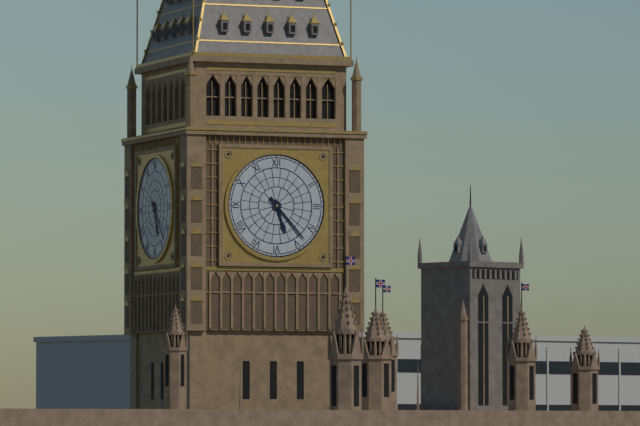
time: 5:23
